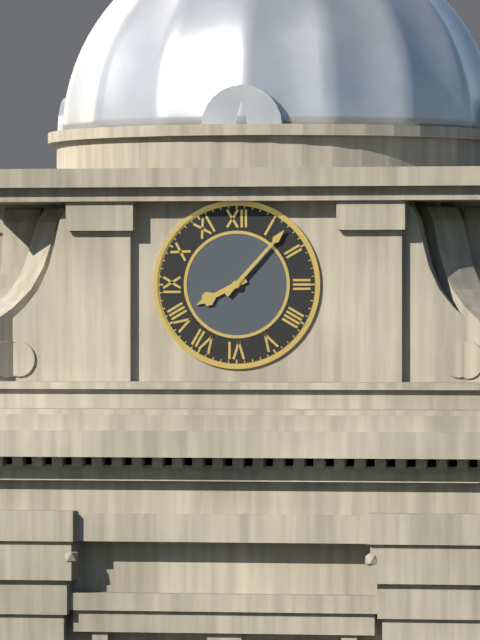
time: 8:07
